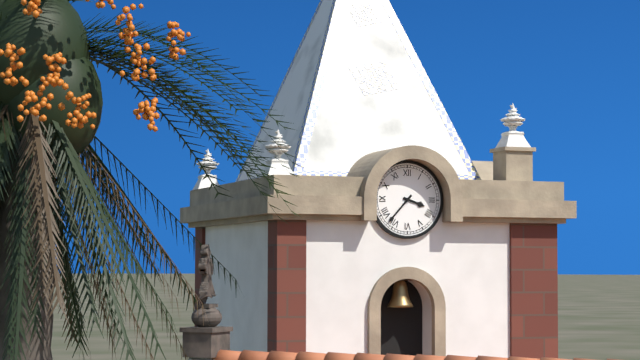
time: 3:37
